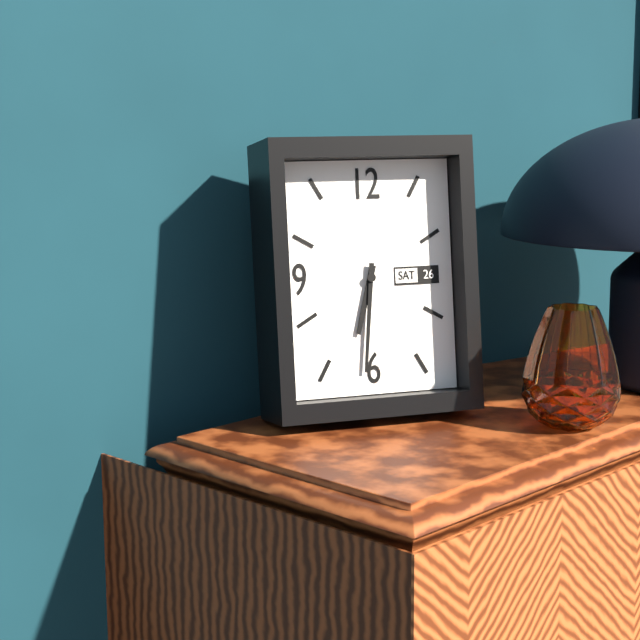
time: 6:31
